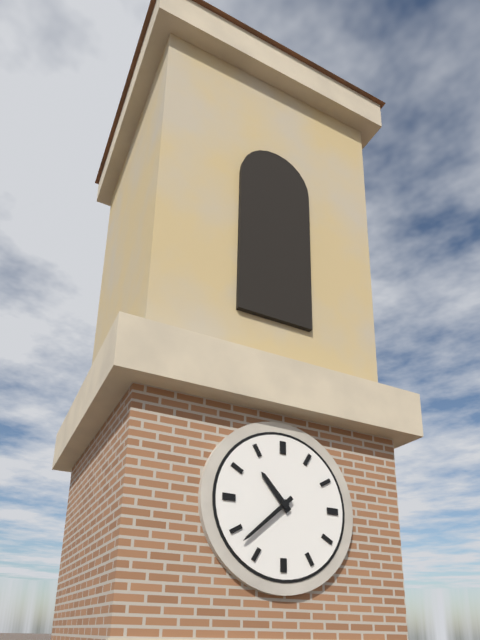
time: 10:38
